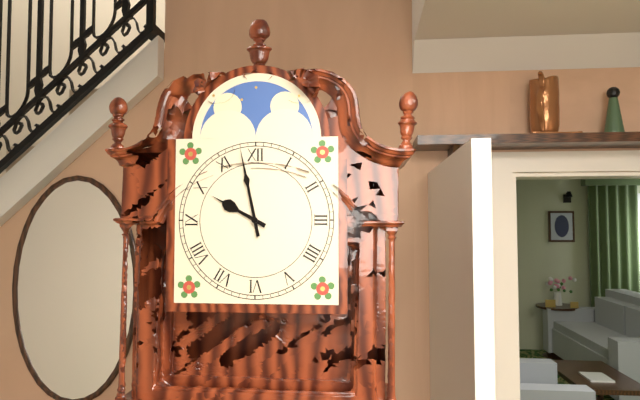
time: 9:58
